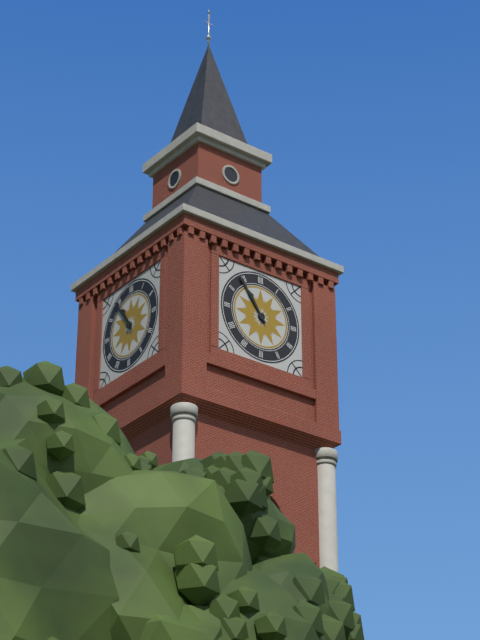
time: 10:54
